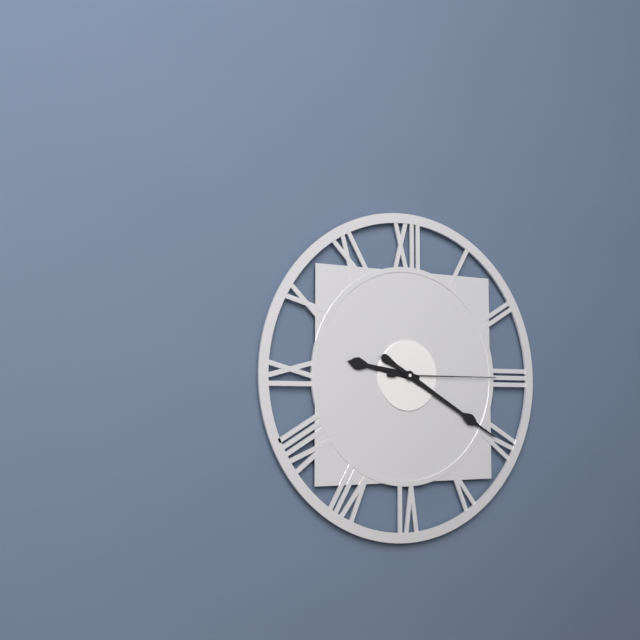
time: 9:20:15
